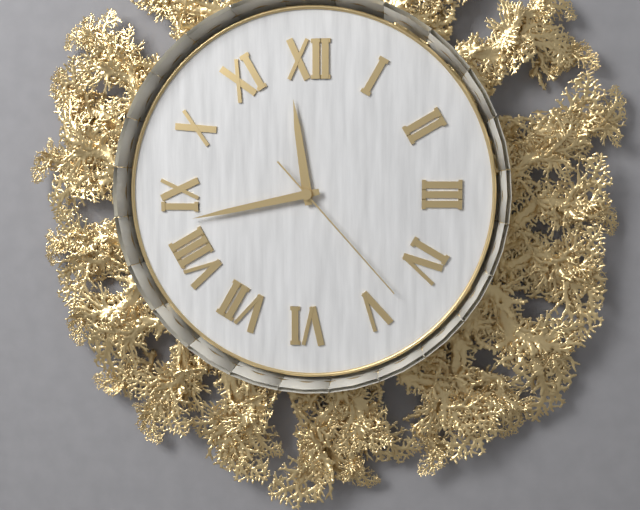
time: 11:43:23
